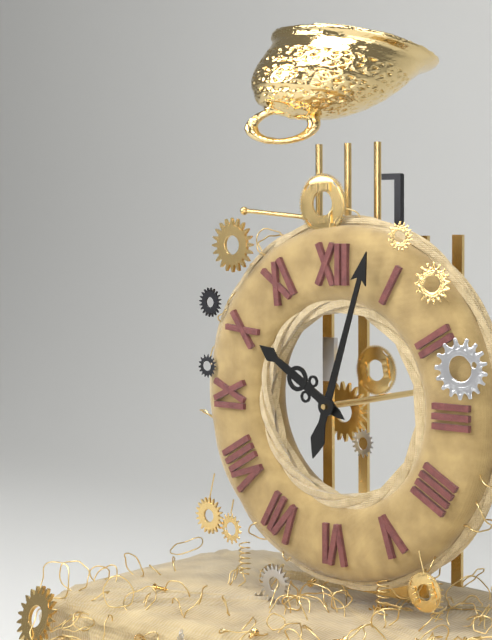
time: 10:03
